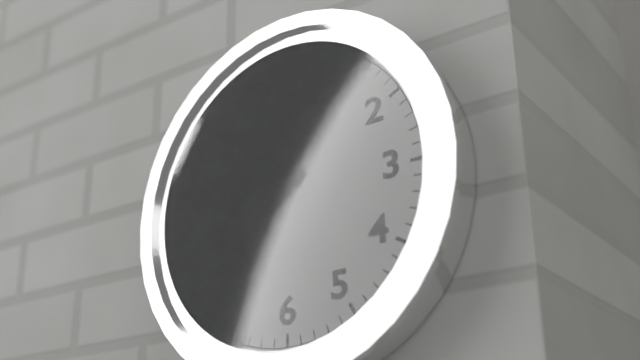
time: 7:41
